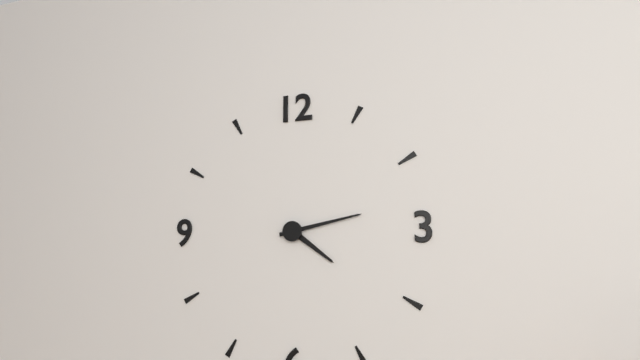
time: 4:13
